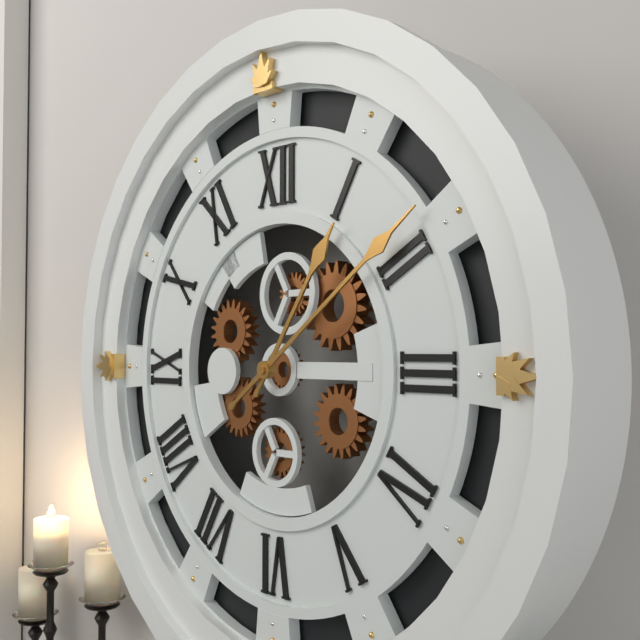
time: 1:09
